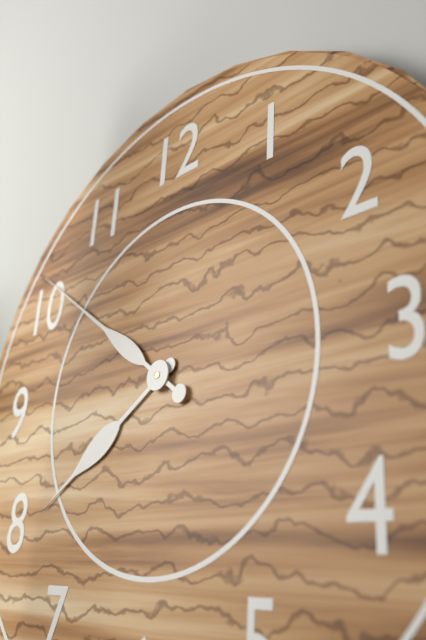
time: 7:51
